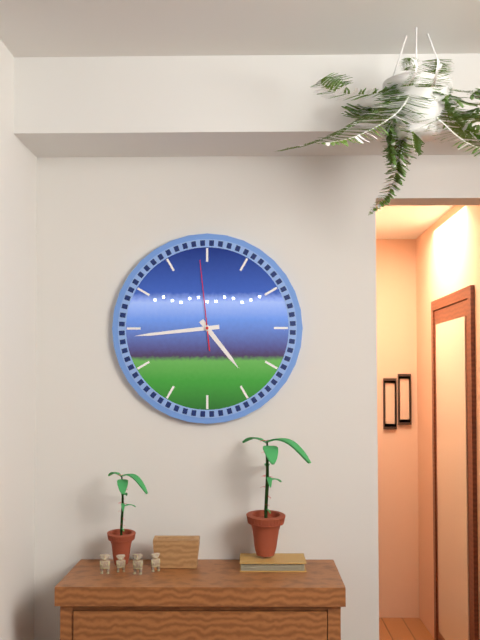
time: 4:44:59
